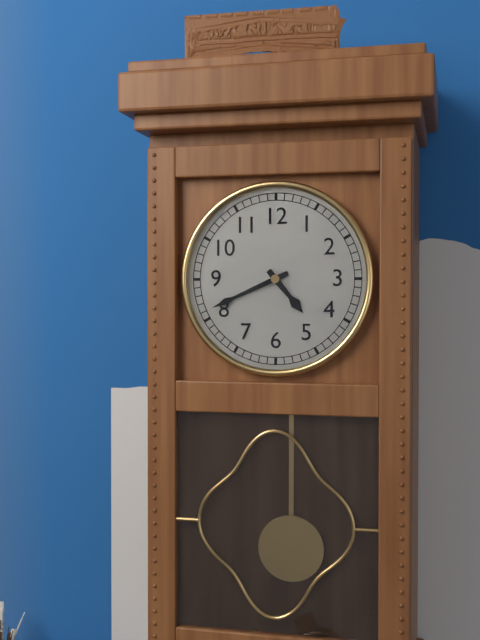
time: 4:41
